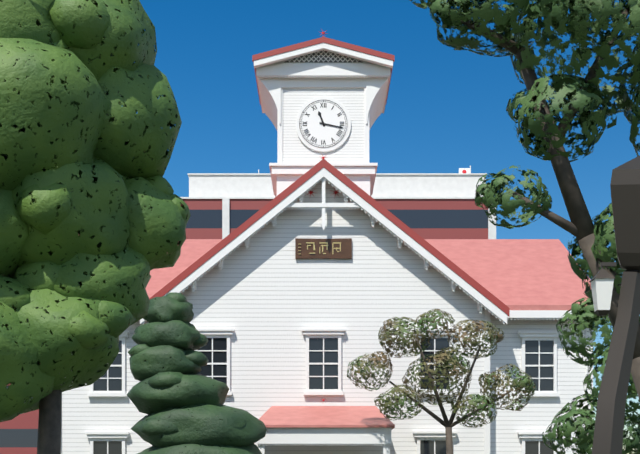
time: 11:17
